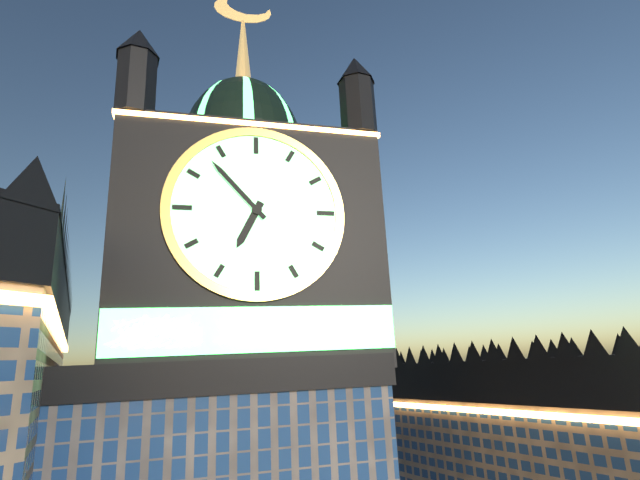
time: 6:53
